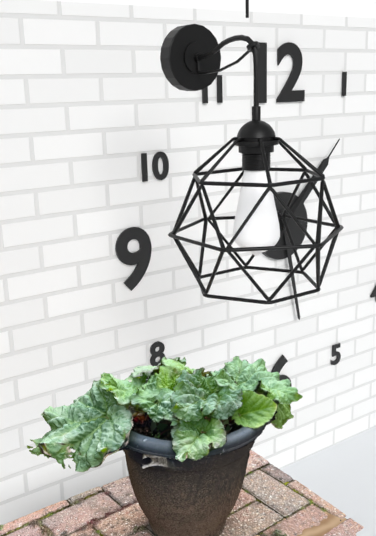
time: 1:28:07
